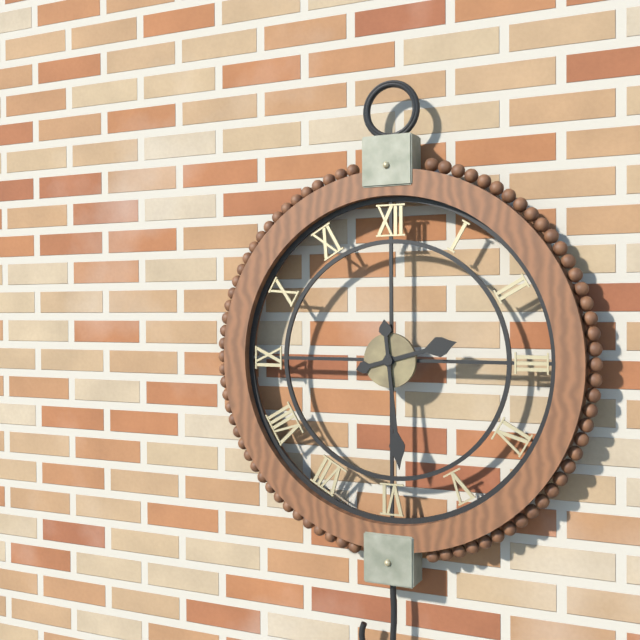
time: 2:29
